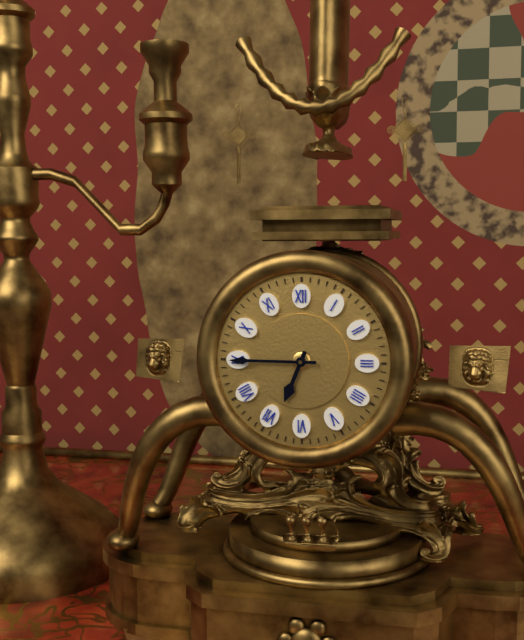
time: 6:45
